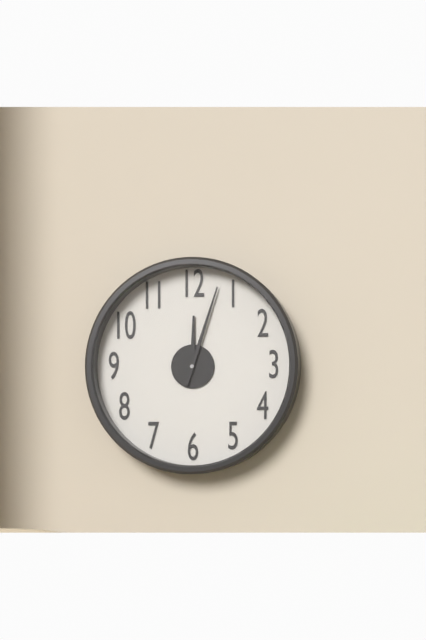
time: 12:03
